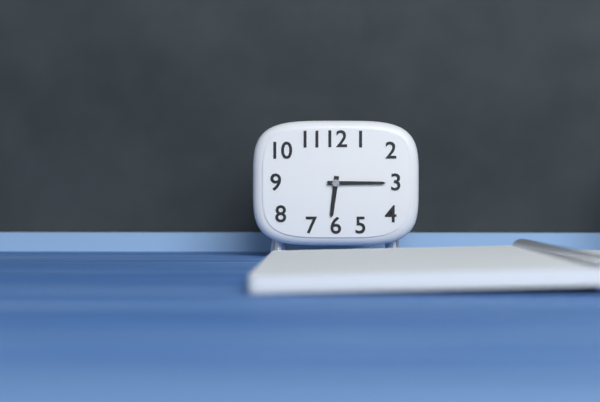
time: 6:15
